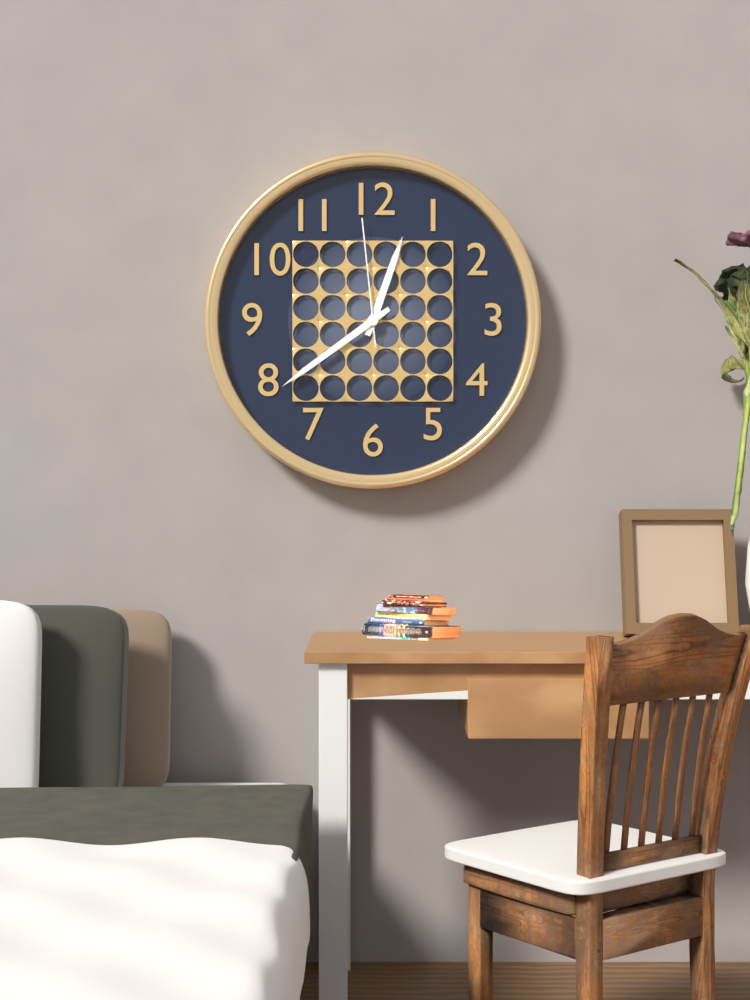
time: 12:39:59
